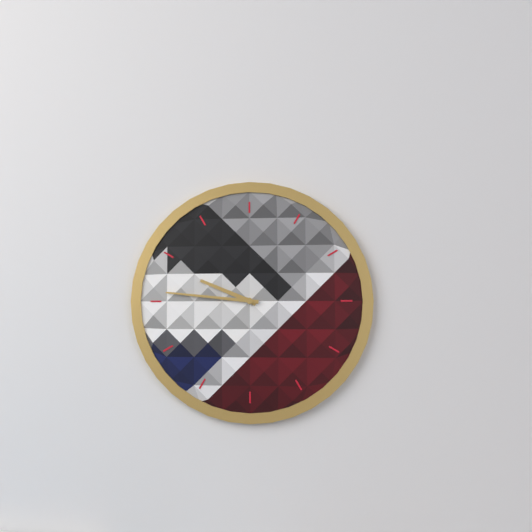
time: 9:46
